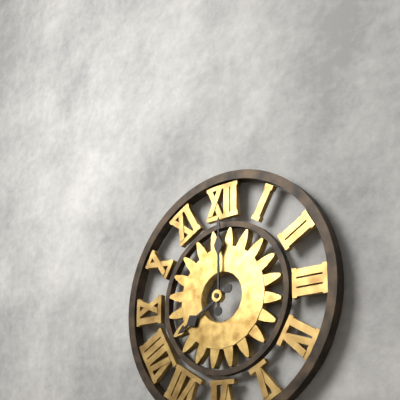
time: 8:00
